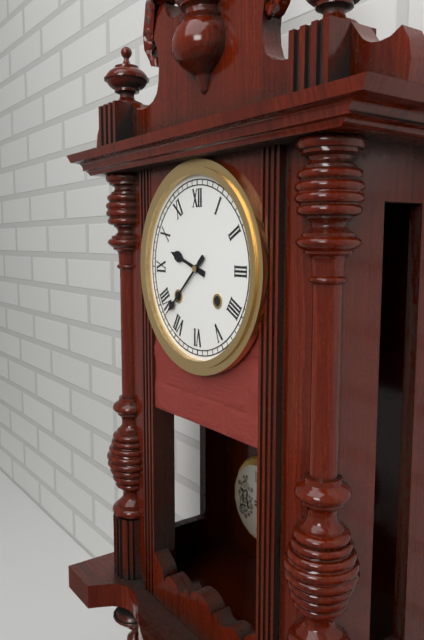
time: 9:38
